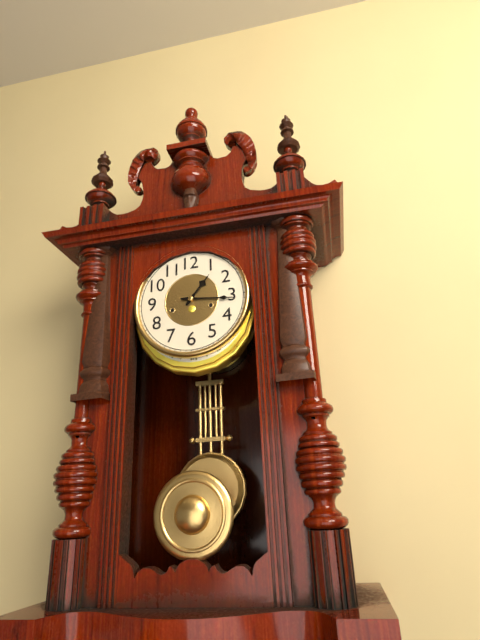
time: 1:16
